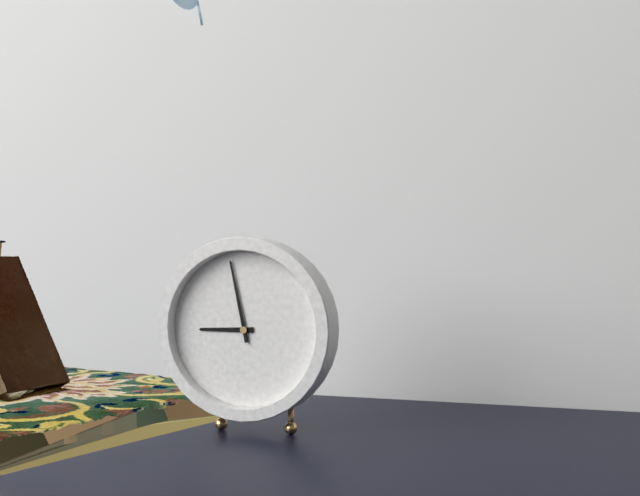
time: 8:58
